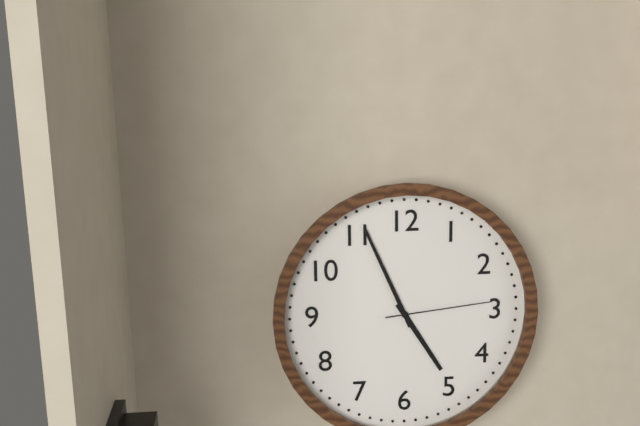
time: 4:56:14
